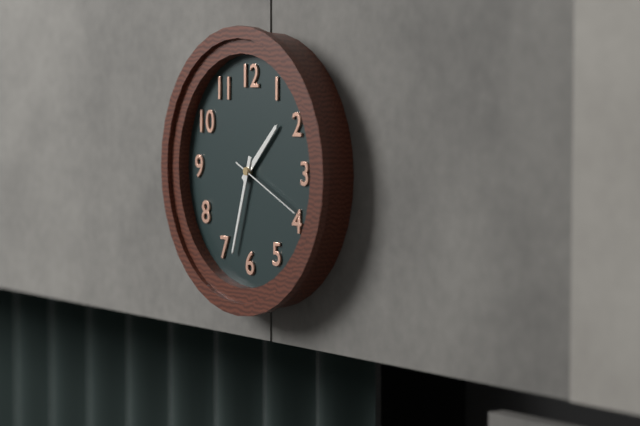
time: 1:33:19
